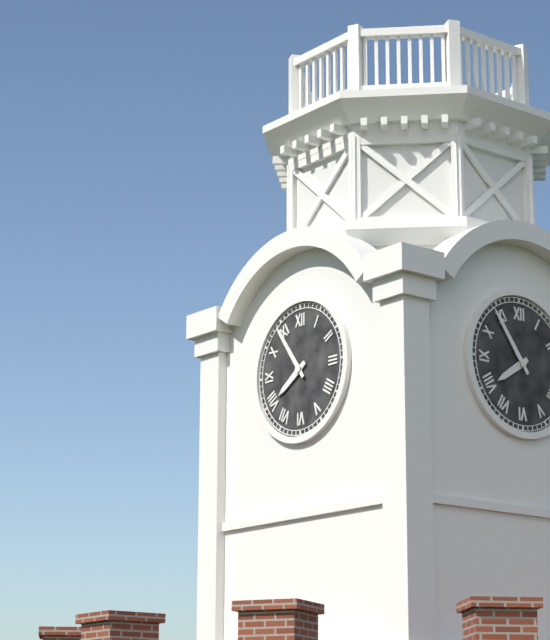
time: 7:54
